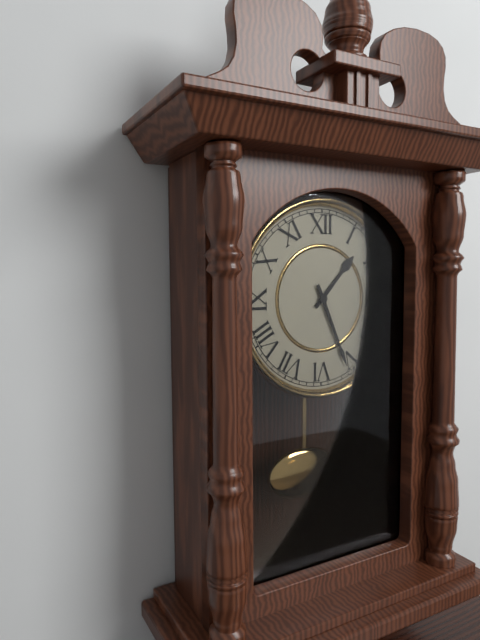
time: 1:26
